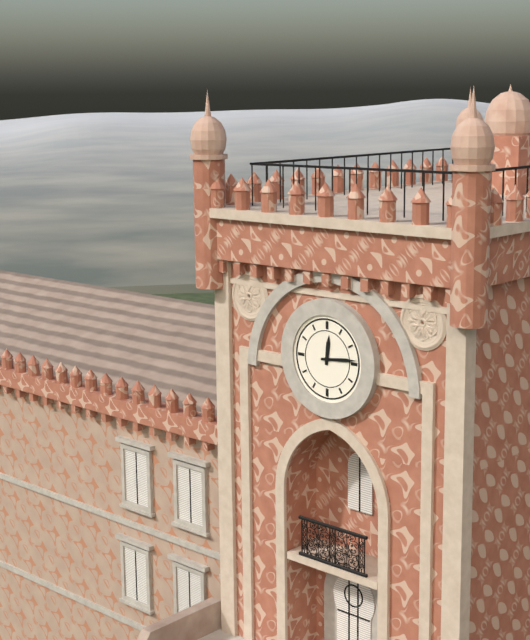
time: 12:14
